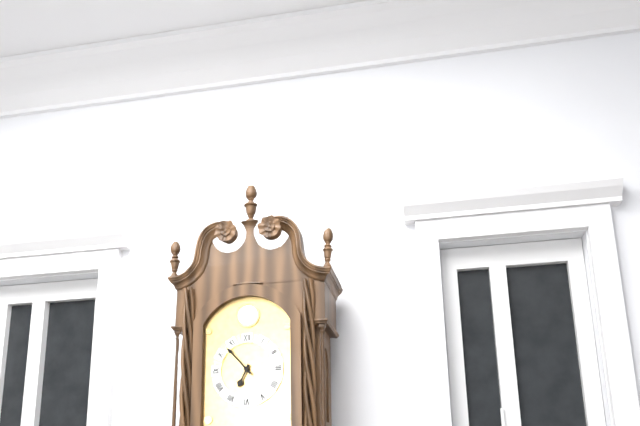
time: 6:53
